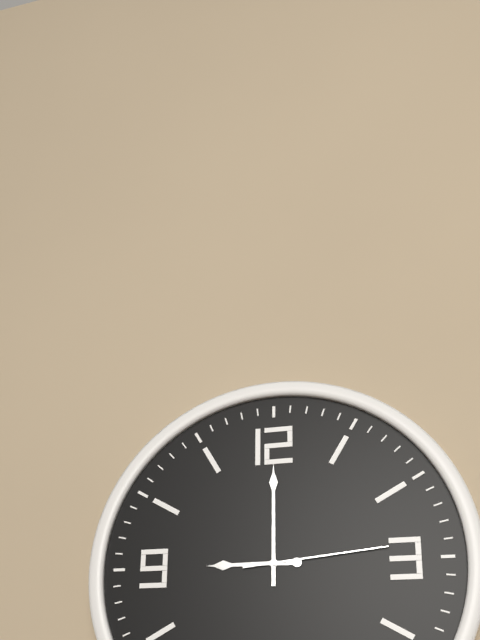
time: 9:00:14
